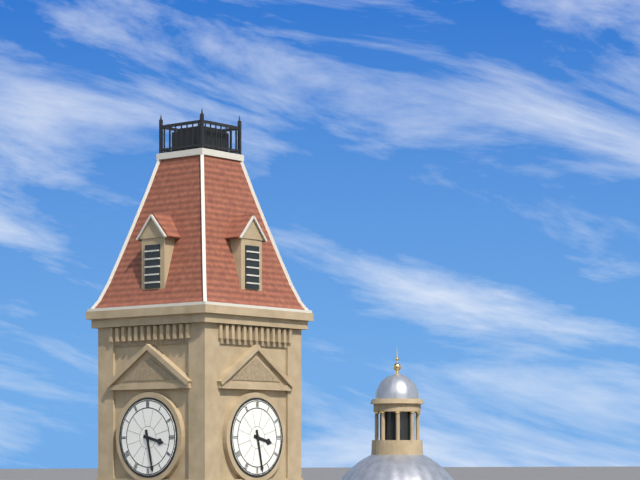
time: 3:28
